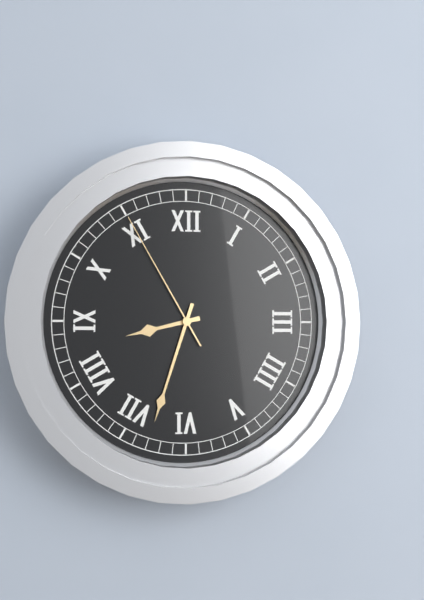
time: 8:33:55
